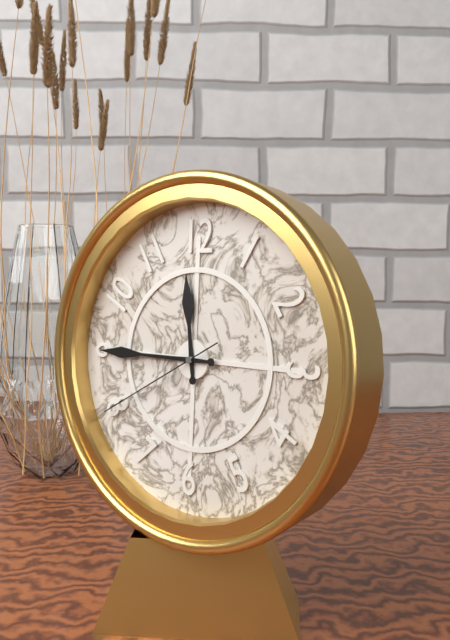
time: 11:45:40
